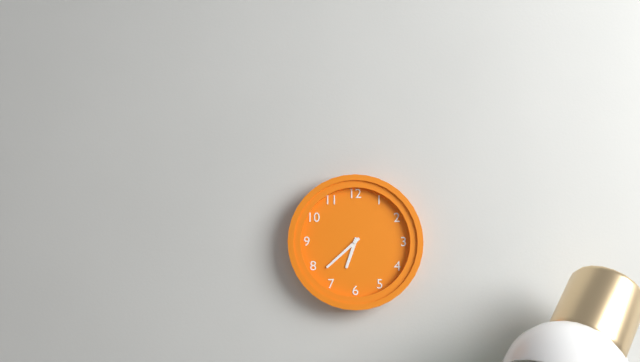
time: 6:38
